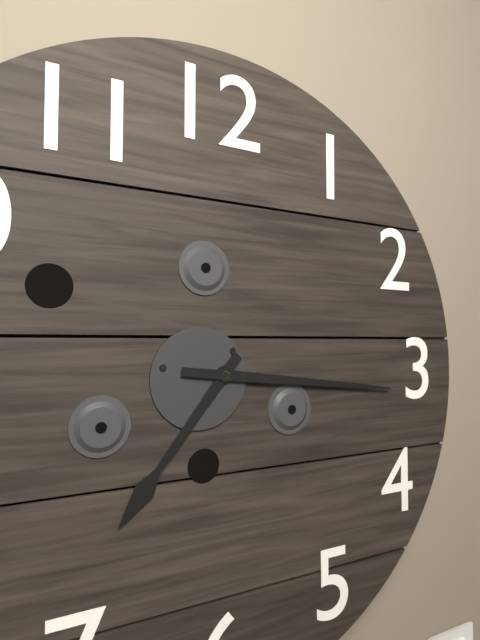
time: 7:16
